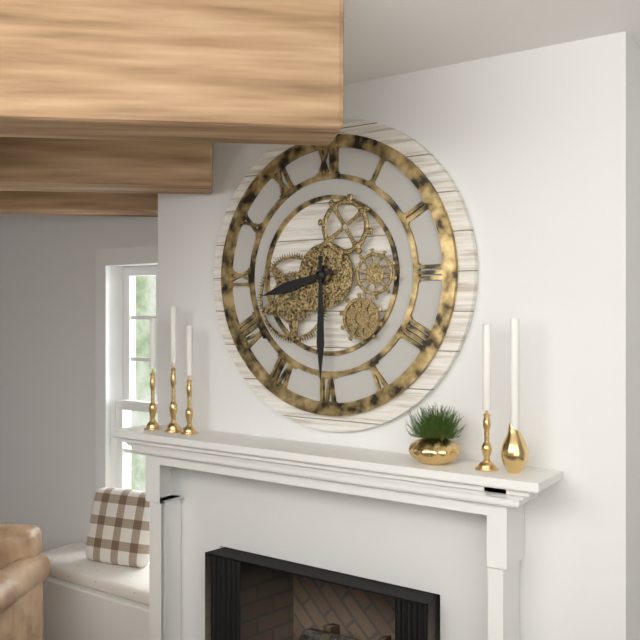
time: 8:30
